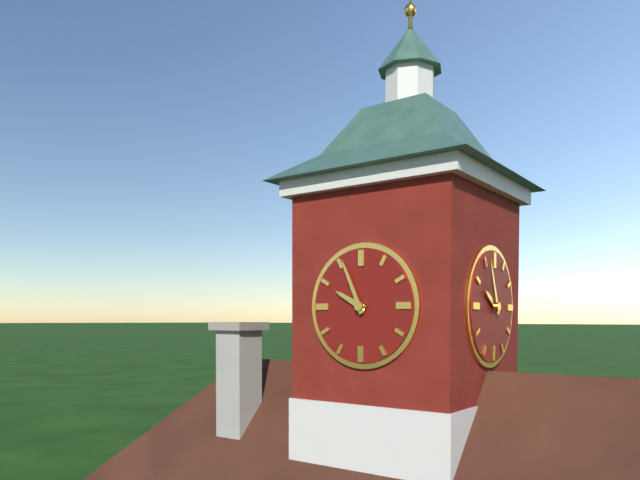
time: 9:56
